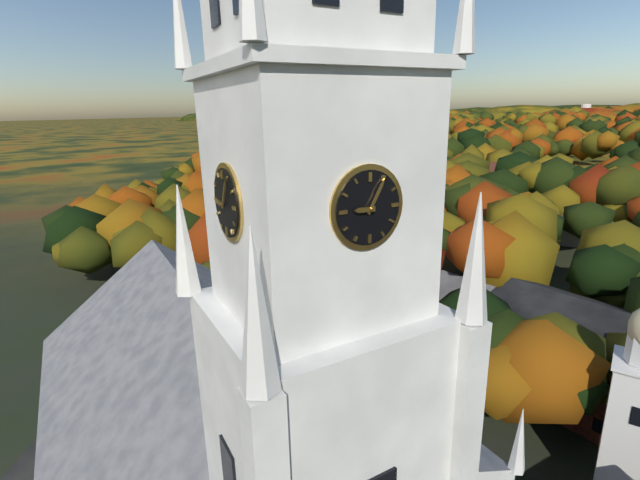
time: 9:05
